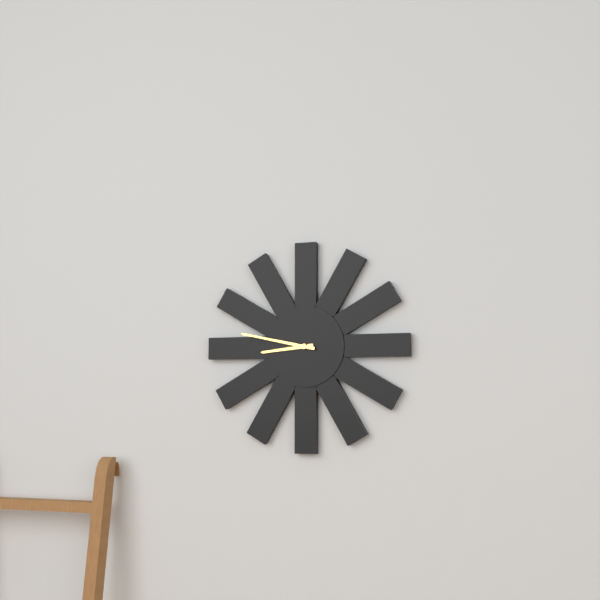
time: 8:47
